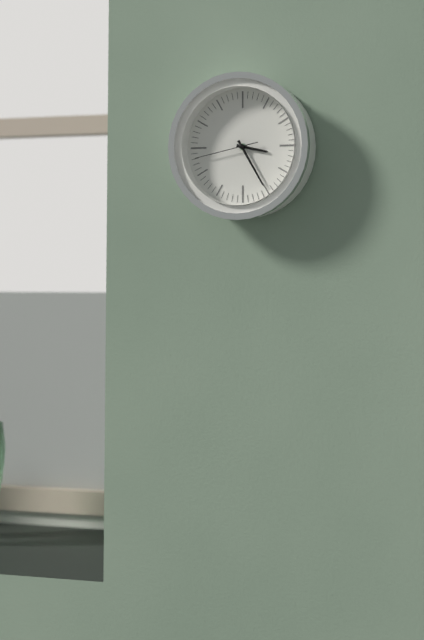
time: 3:25:43
